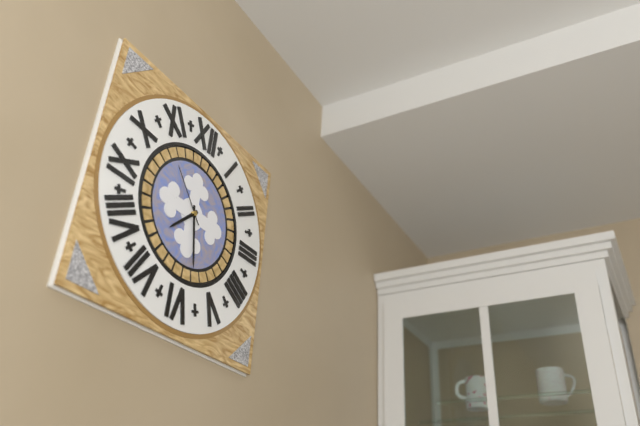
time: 7:28:53
